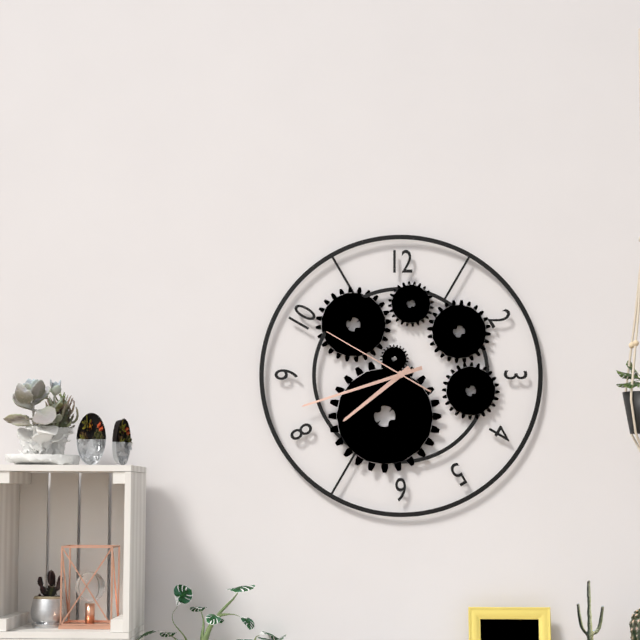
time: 7:42:50
